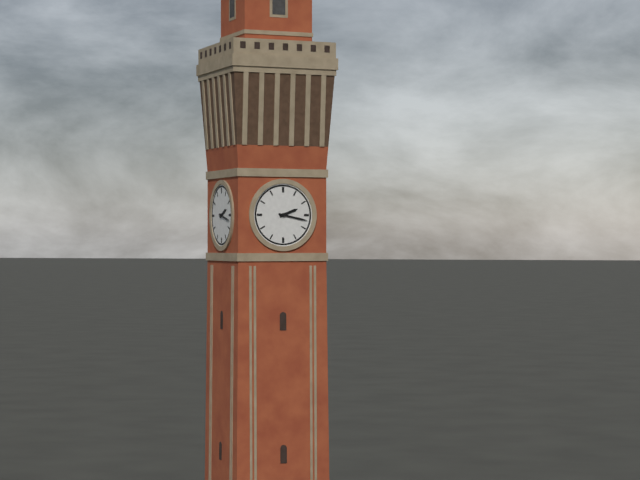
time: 2:17
